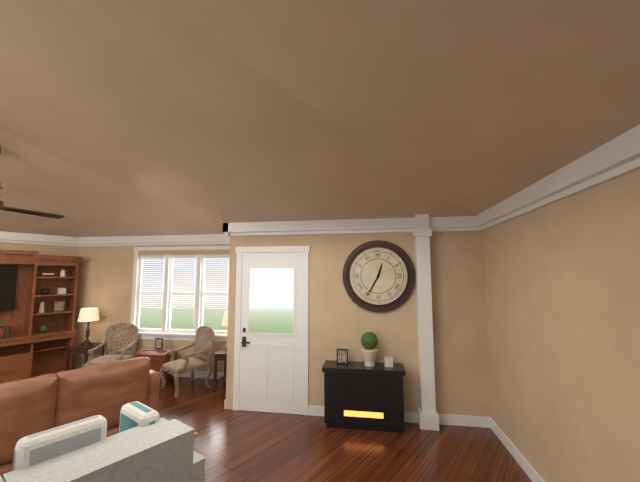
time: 12:35
